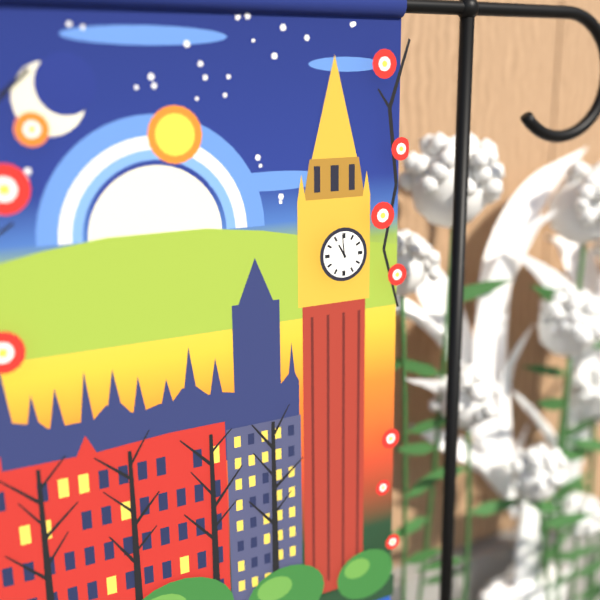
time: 10:59
